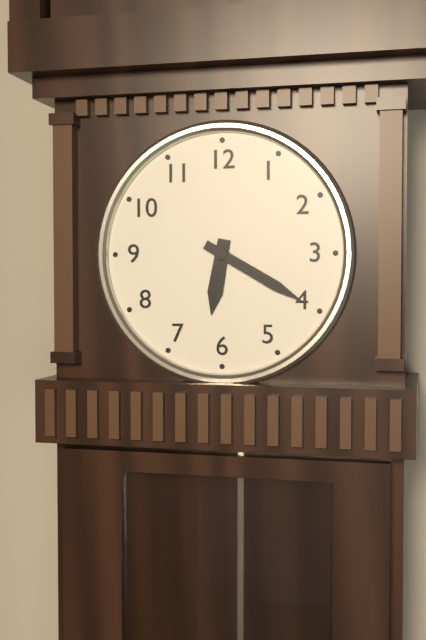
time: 6:20
